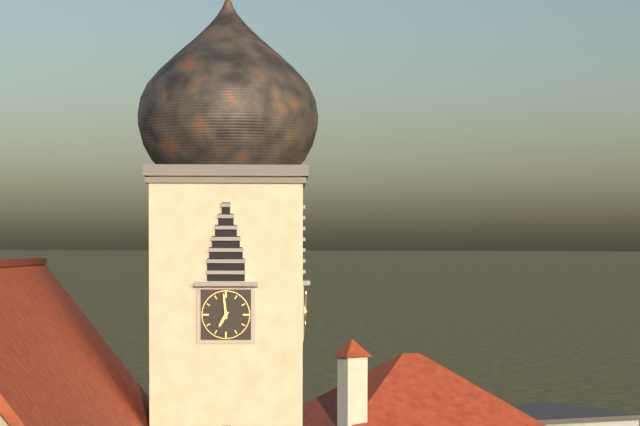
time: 6:59
